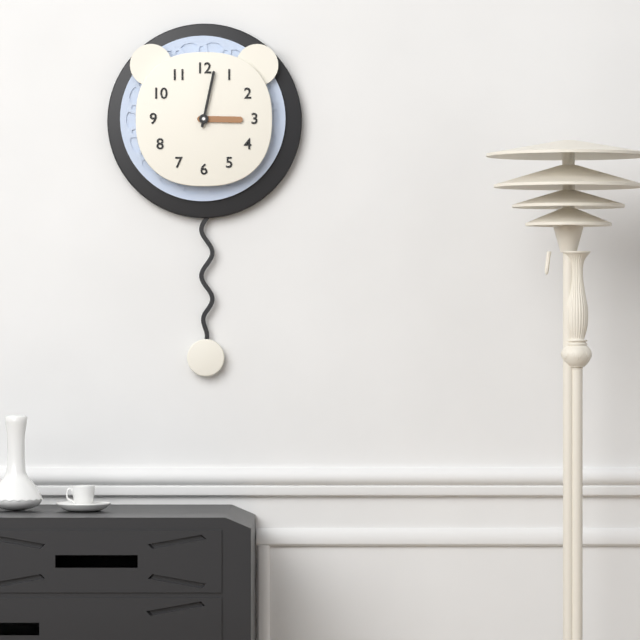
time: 3:02
